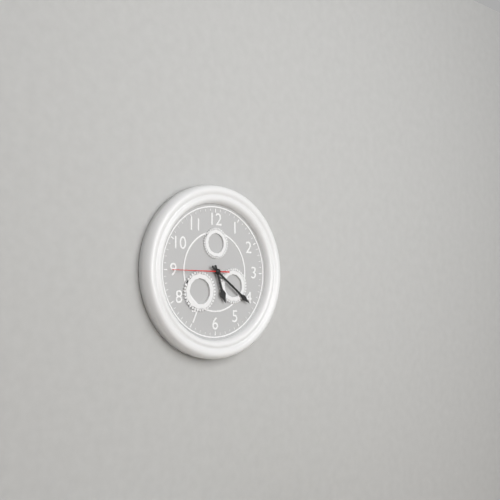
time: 5:21:45
